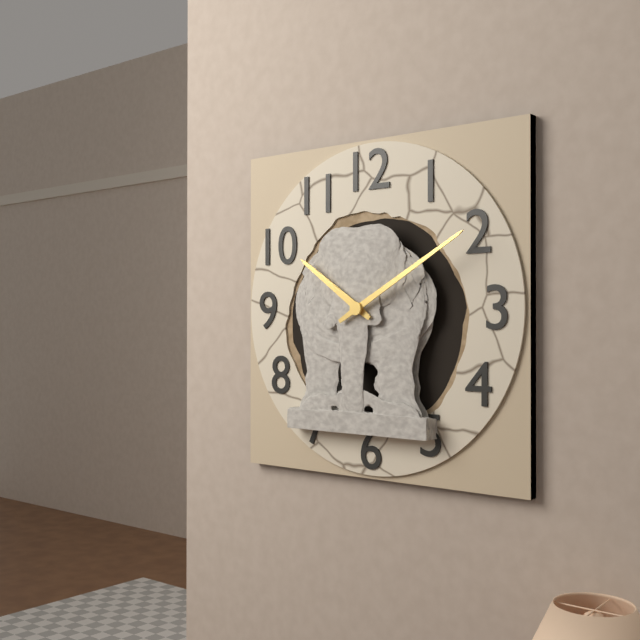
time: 10:10
